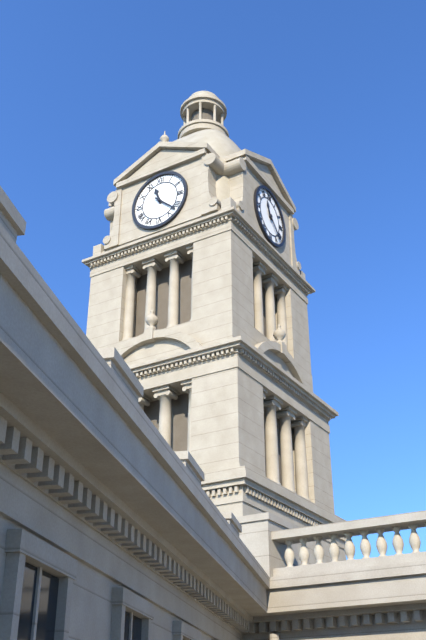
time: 11:22
